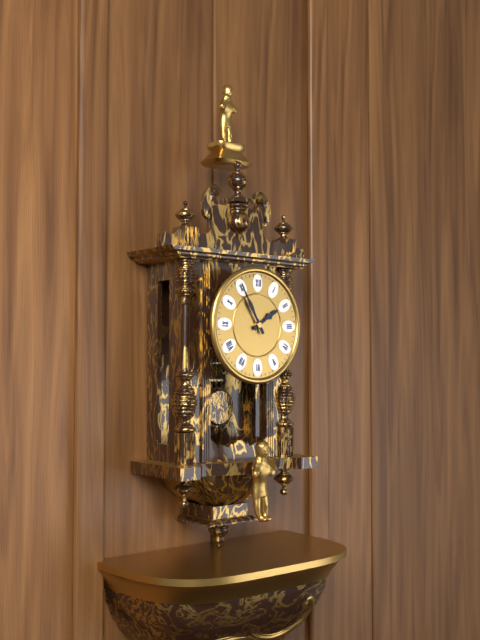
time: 1:55
